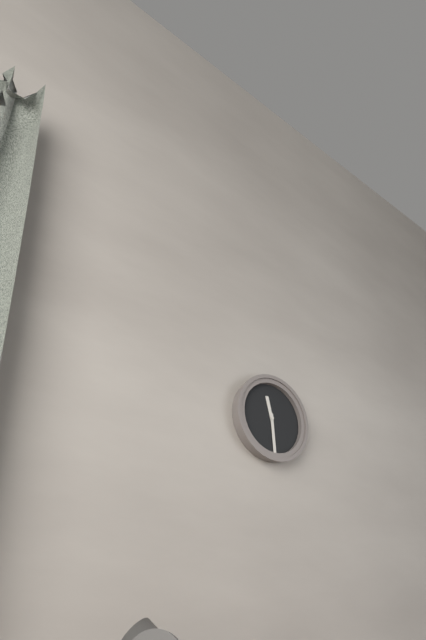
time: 11:29
